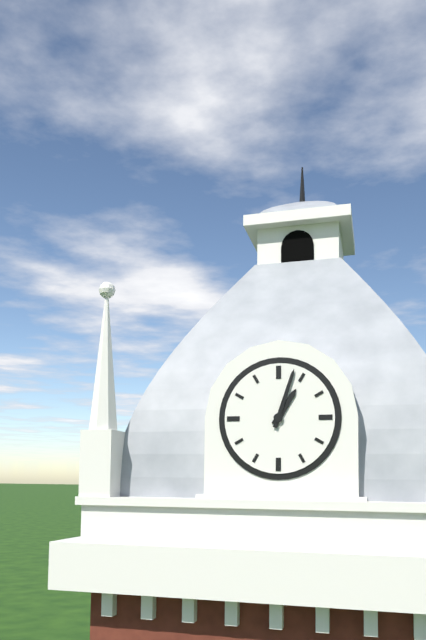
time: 1:03
